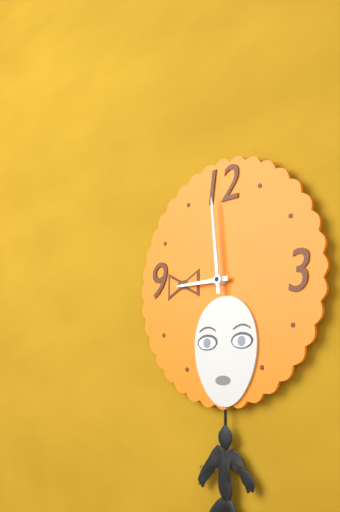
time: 8:59
